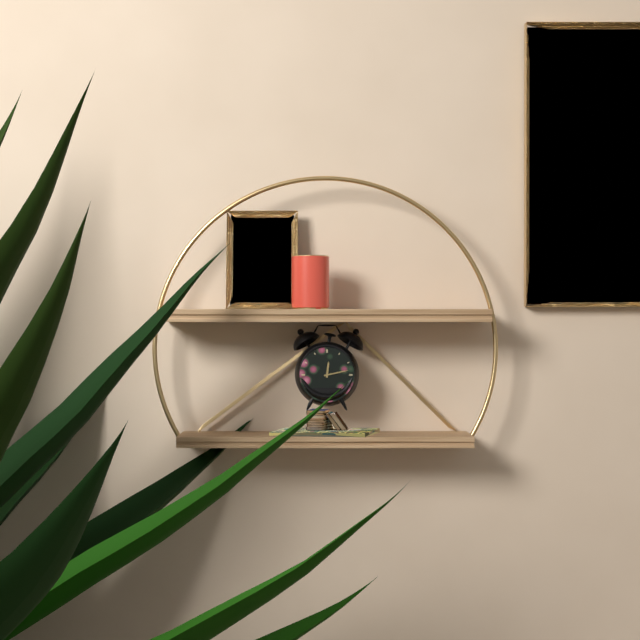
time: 12:13
